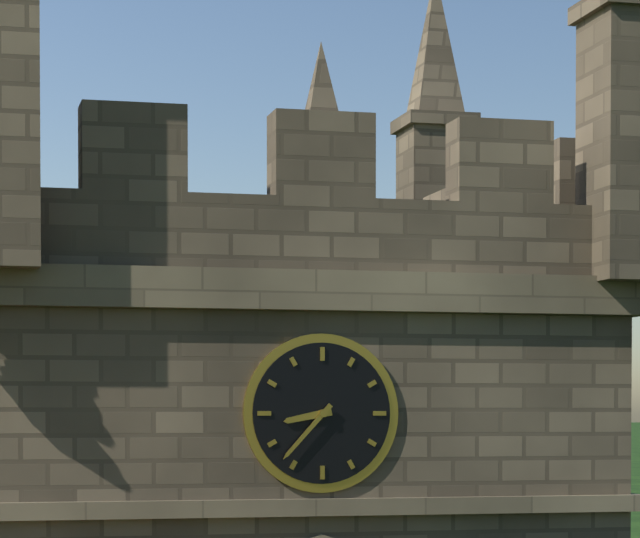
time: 8:37
